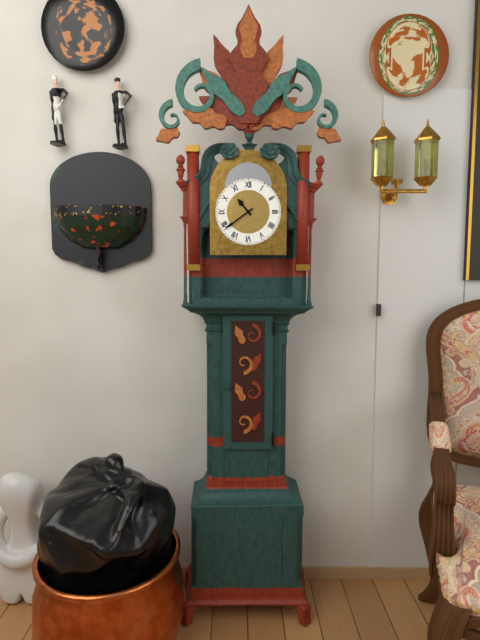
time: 10:39
